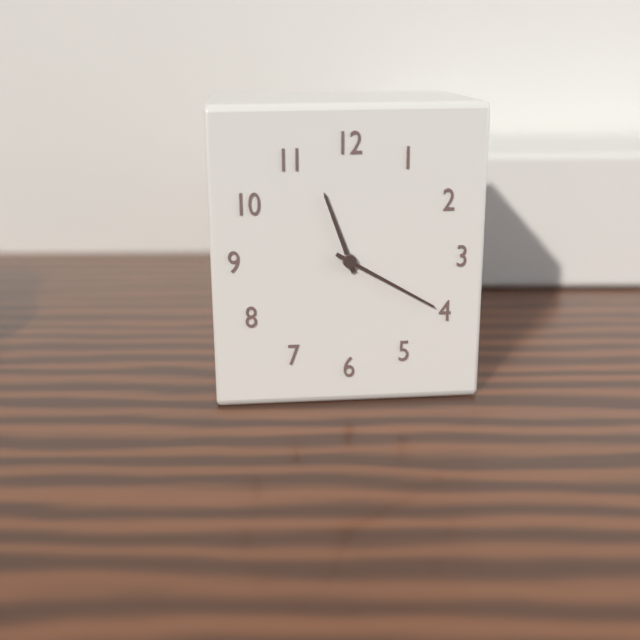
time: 11:20
